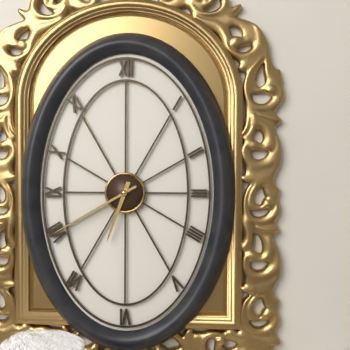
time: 6:40
